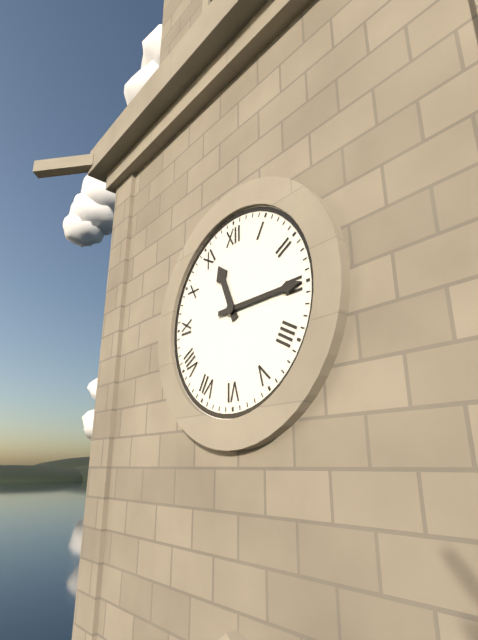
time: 11:15
